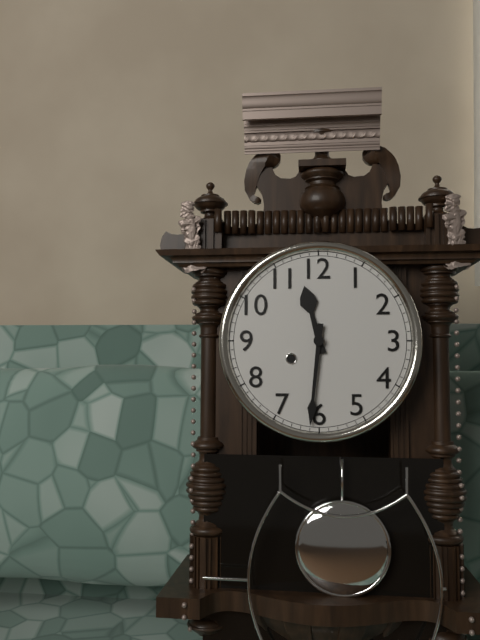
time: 11:31
